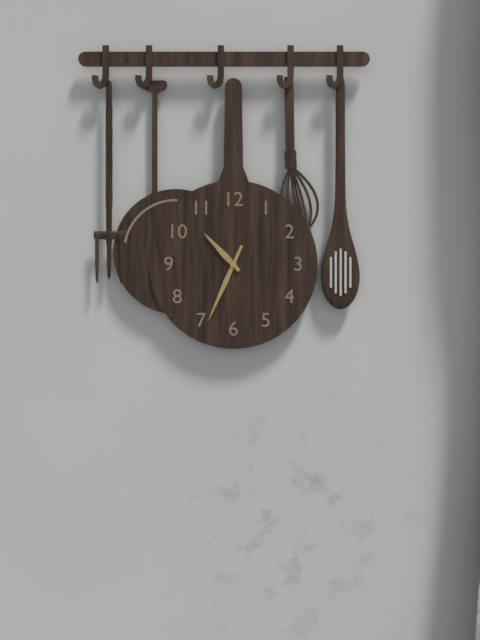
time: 10:34
